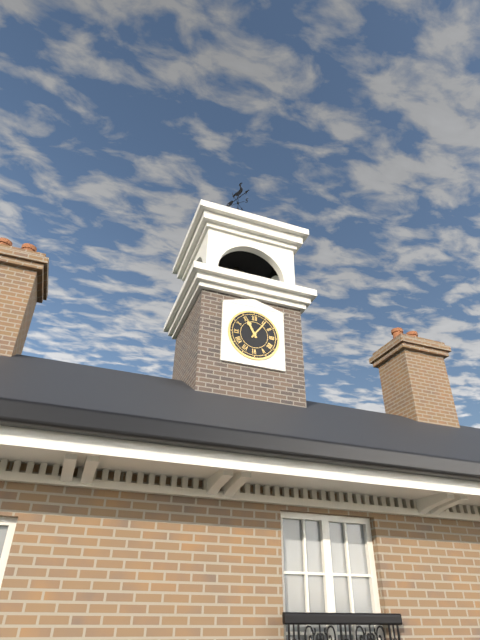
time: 11:06
